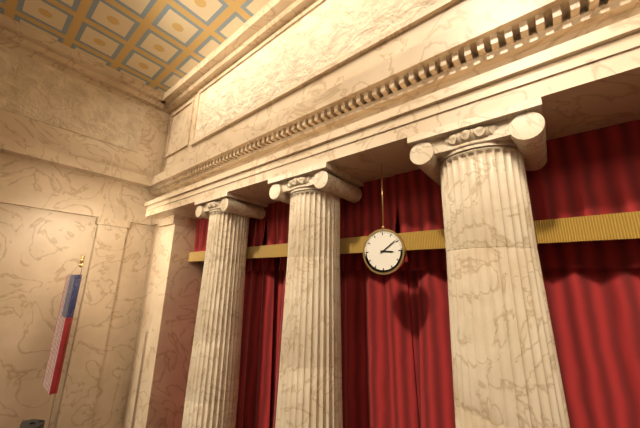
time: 3:09
